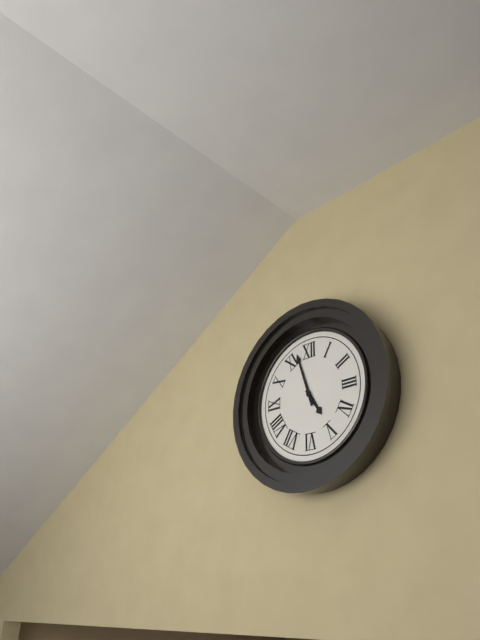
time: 4:57
